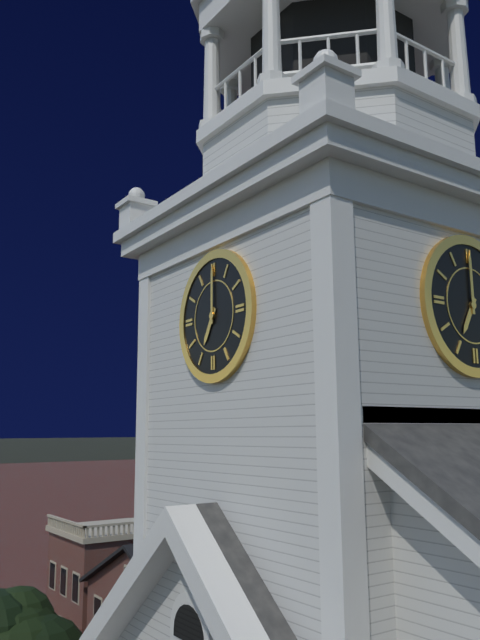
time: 7:00
